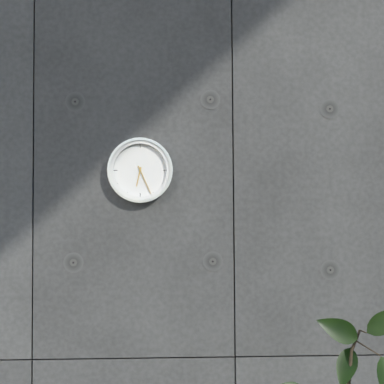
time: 6:26
